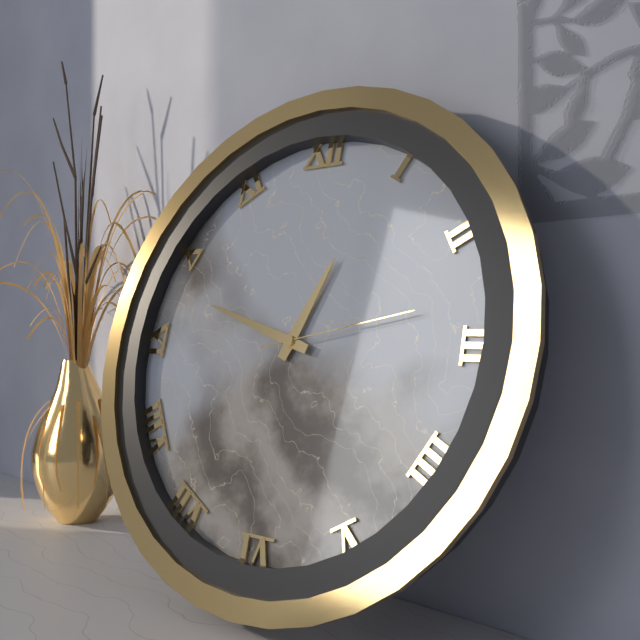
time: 12:48:13
